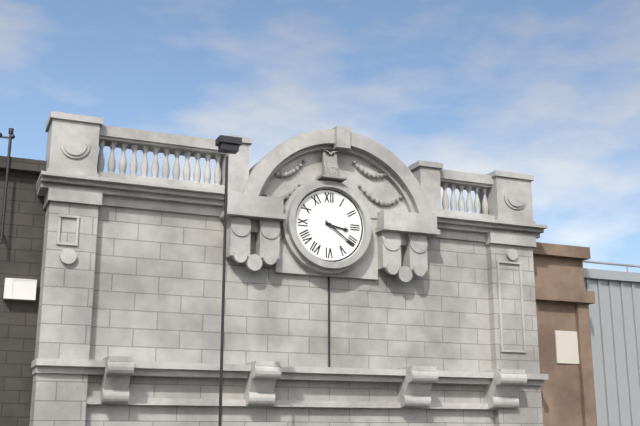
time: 3:21
